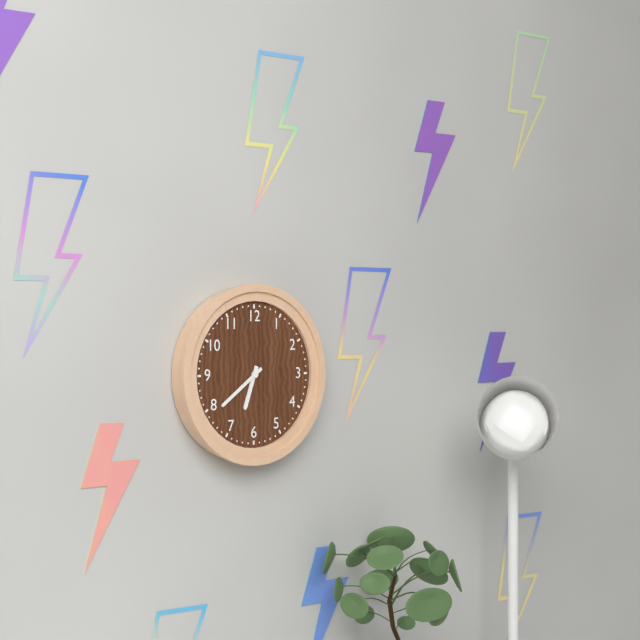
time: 6:39
